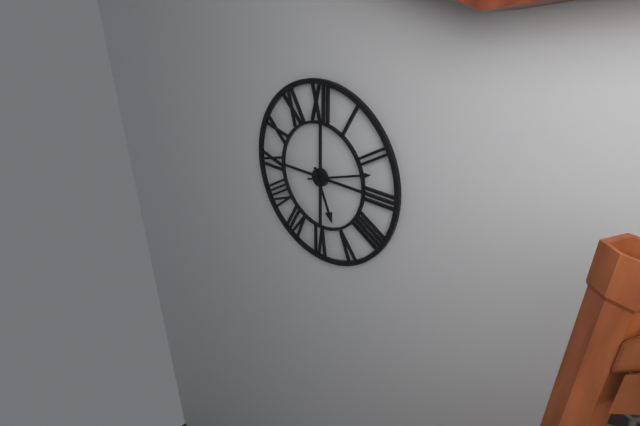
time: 5:12
